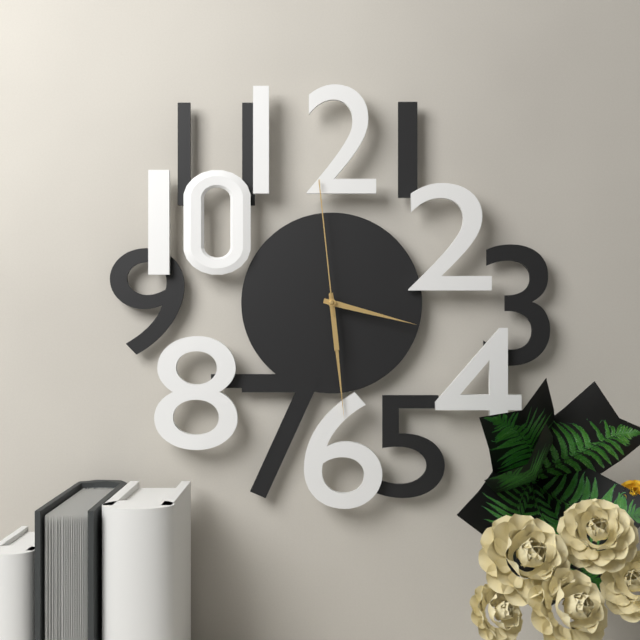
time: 3:29:59
